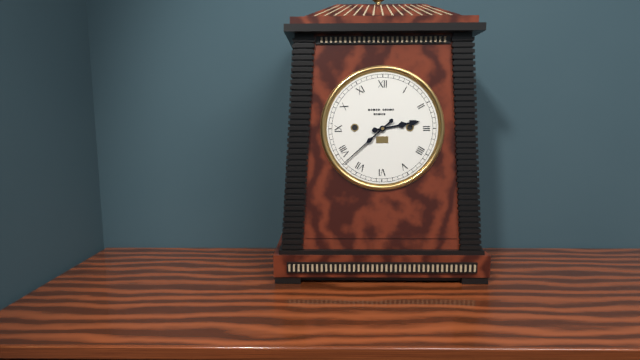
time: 2:38
